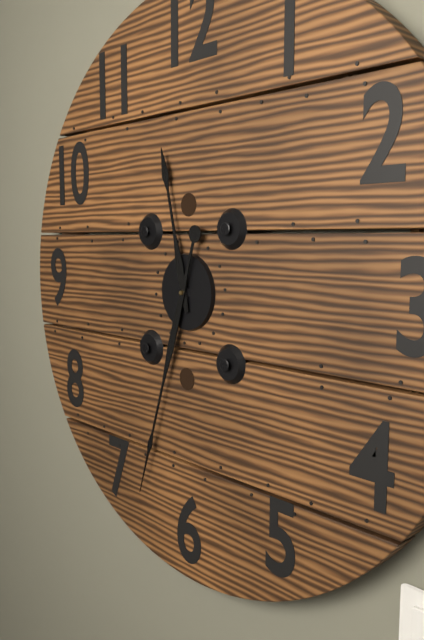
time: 11:33
